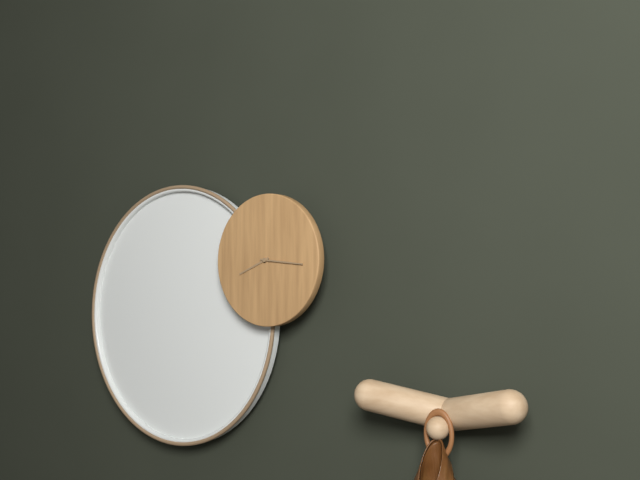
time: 8:16
